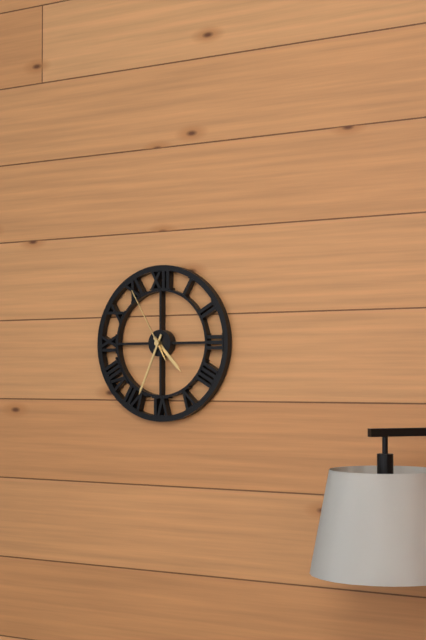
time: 4:34:55
